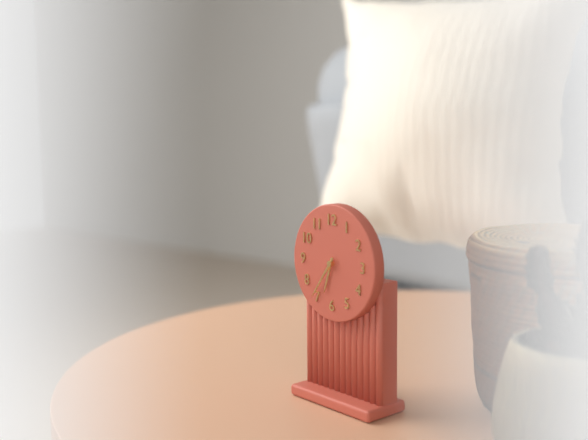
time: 6:36
